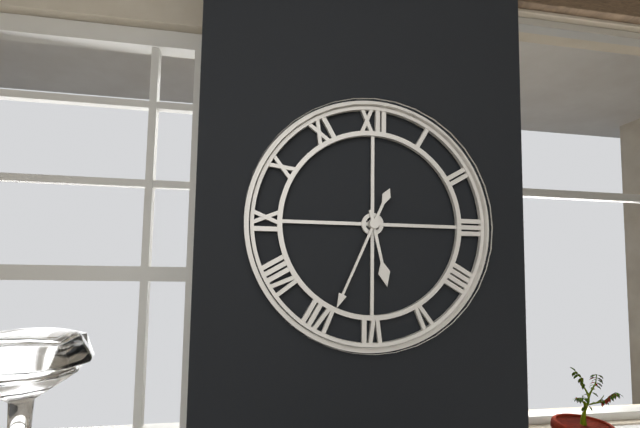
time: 5:34
